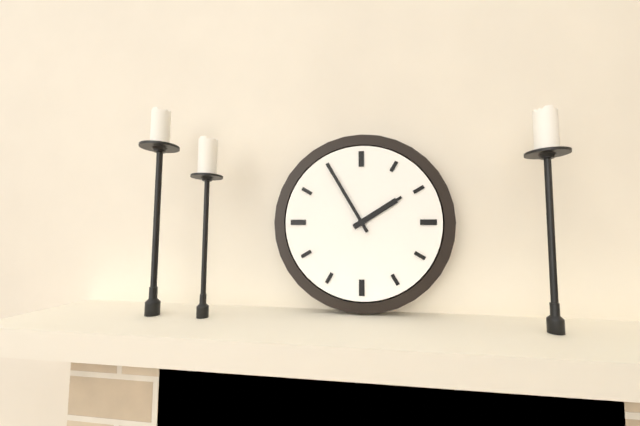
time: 1:55
